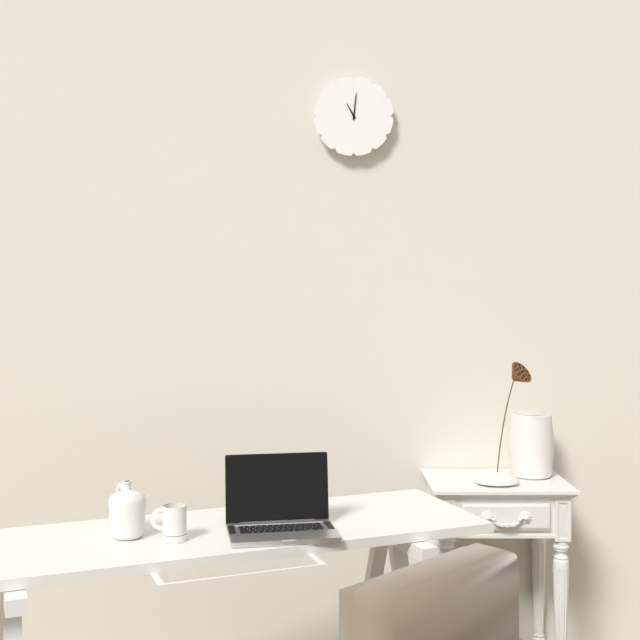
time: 11:01
